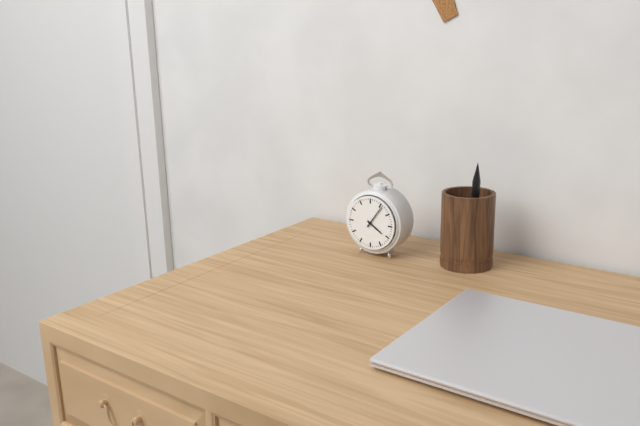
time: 4:06
